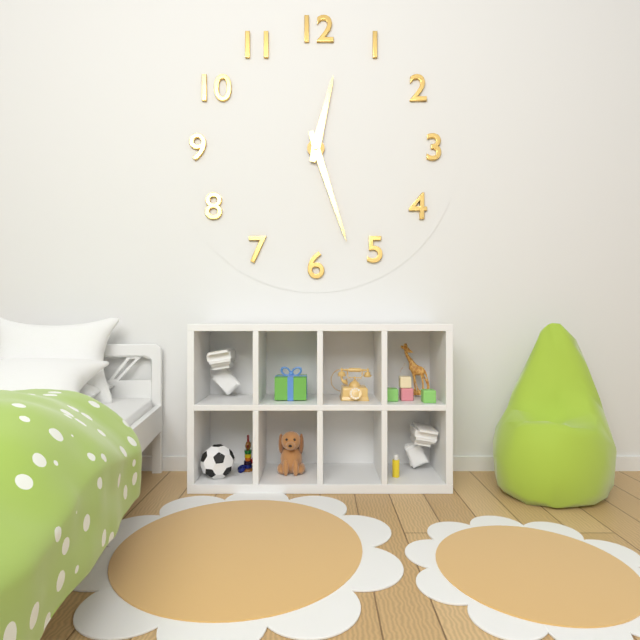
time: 12:27
